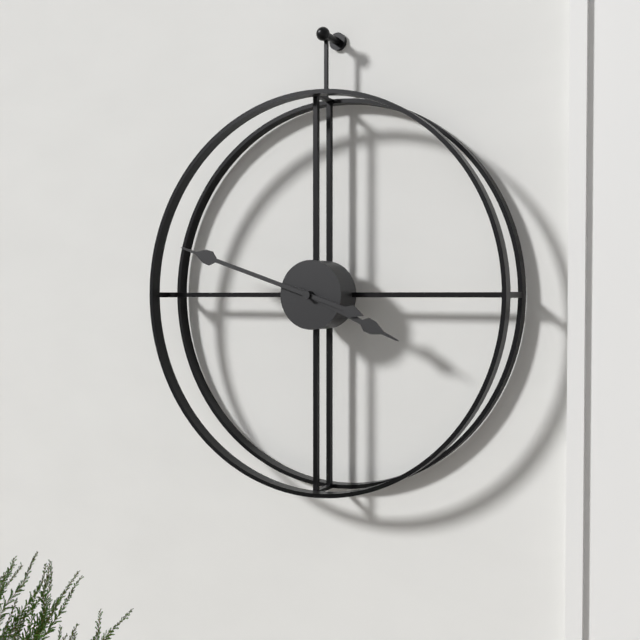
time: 3:48
